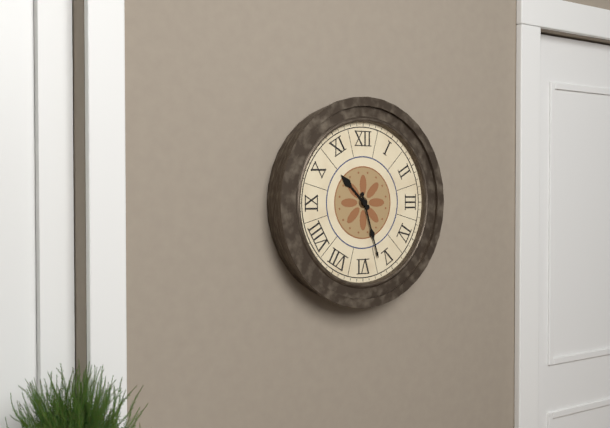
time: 10:27
